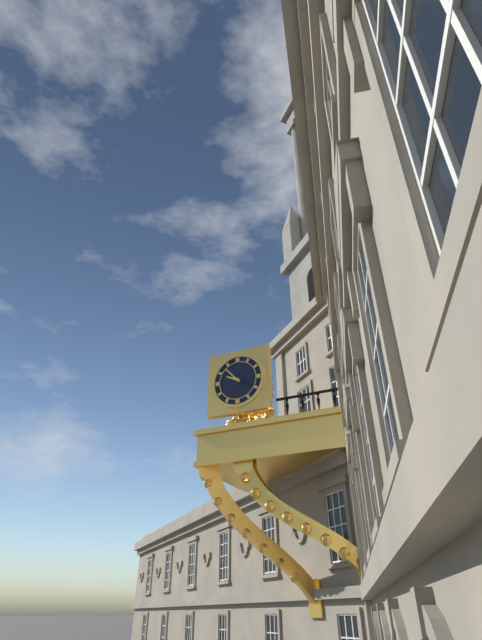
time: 9:53
